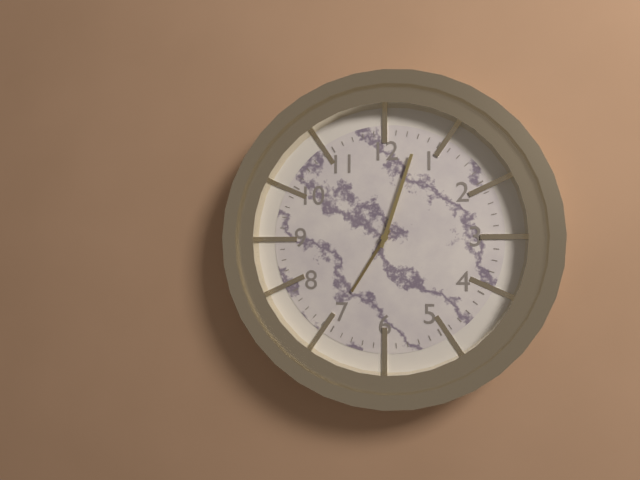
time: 7:03
